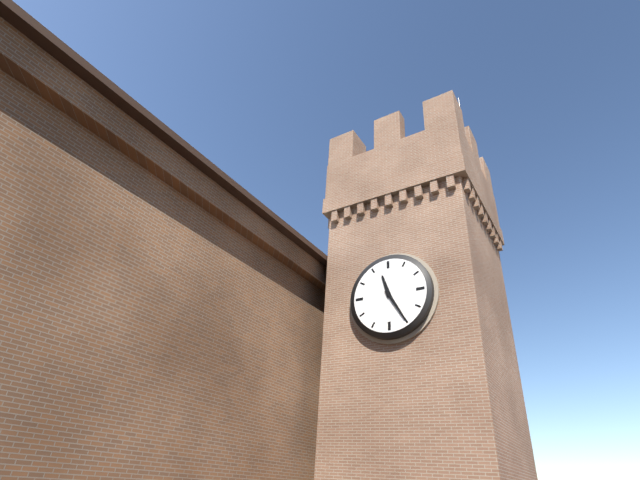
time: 11:25
